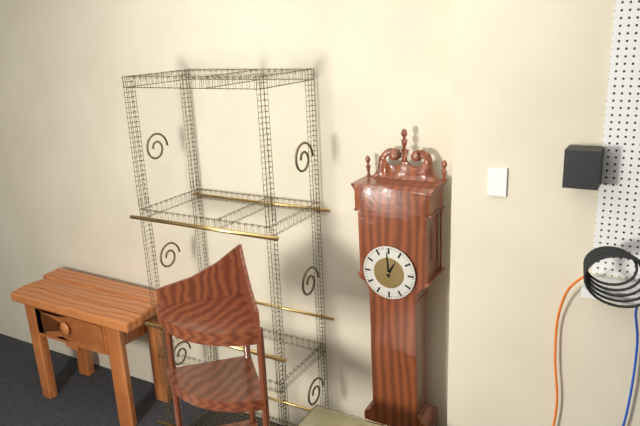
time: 12:59
